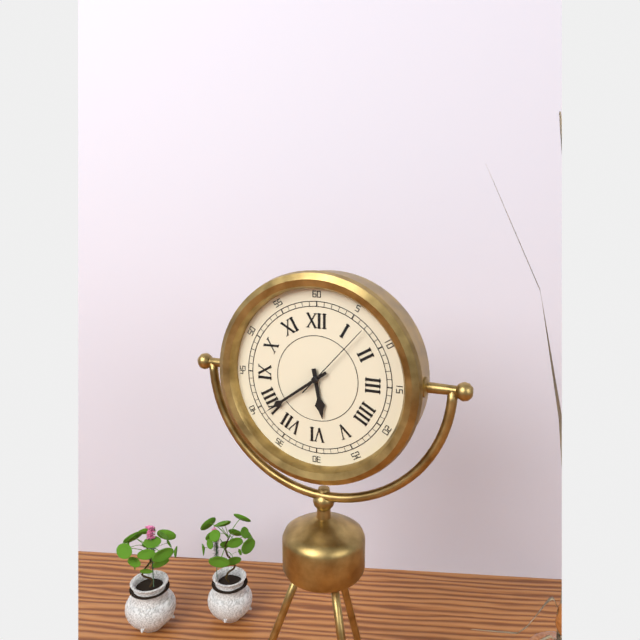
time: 5:39:07
